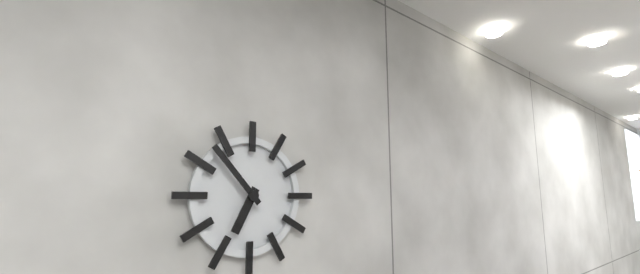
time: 6:53
